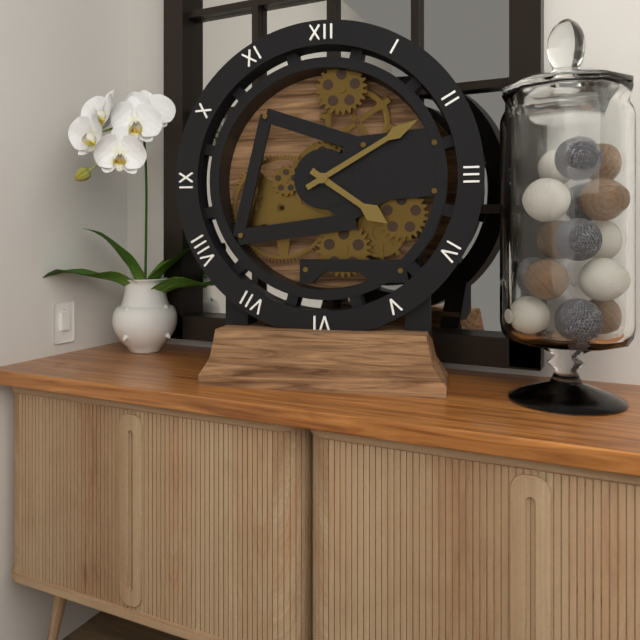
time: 4:10
